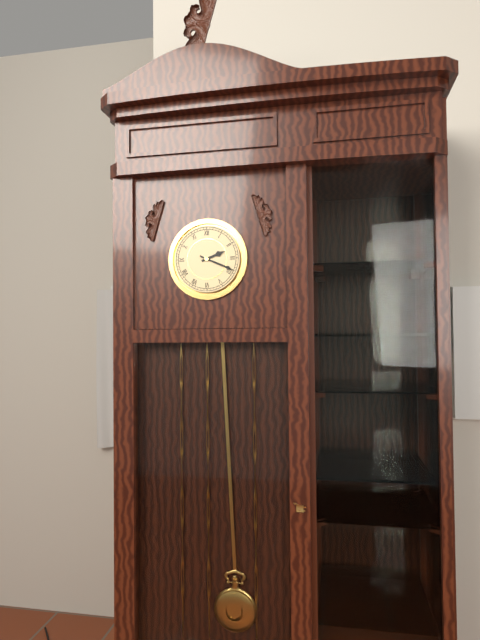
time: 2:19
